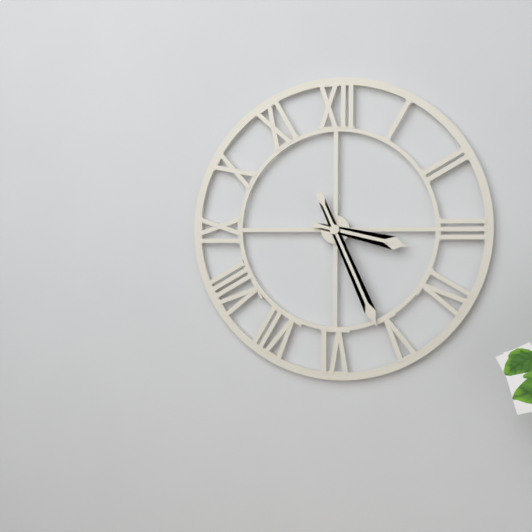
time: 3:26
